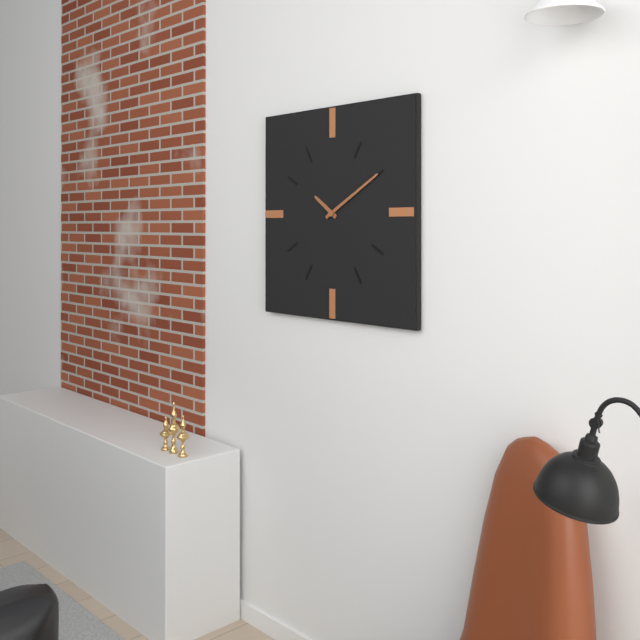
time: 10:10
